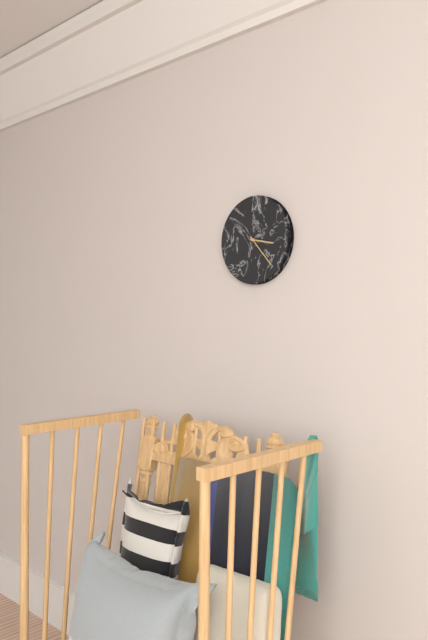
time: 3:23
